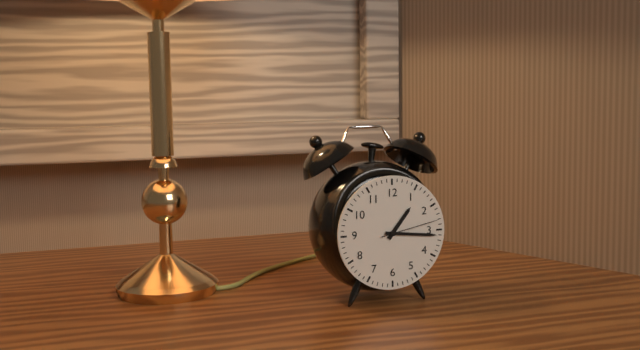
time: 1:16:13
